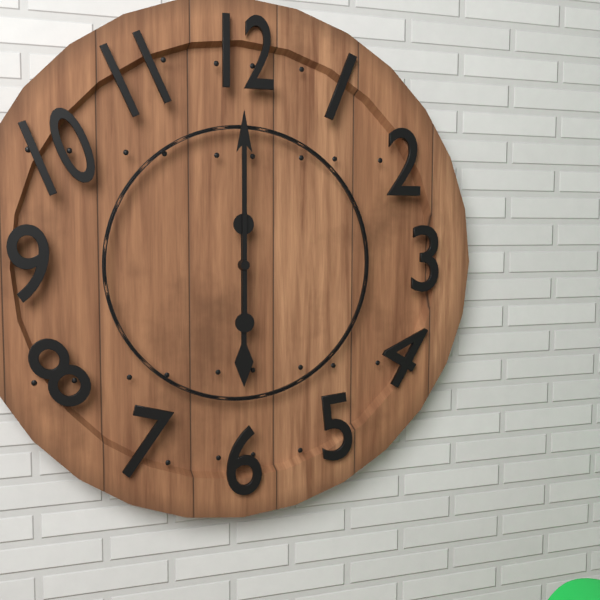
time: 6:00
